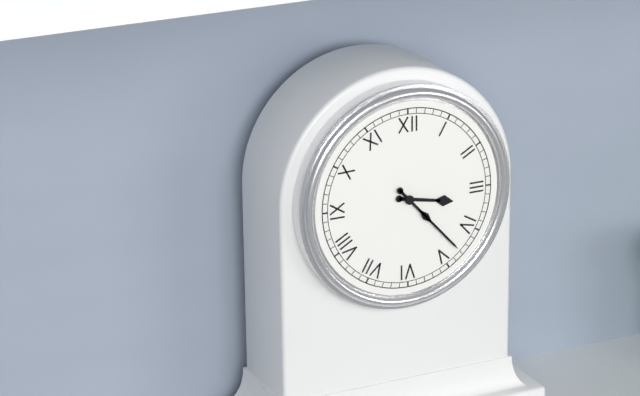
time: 3:23
